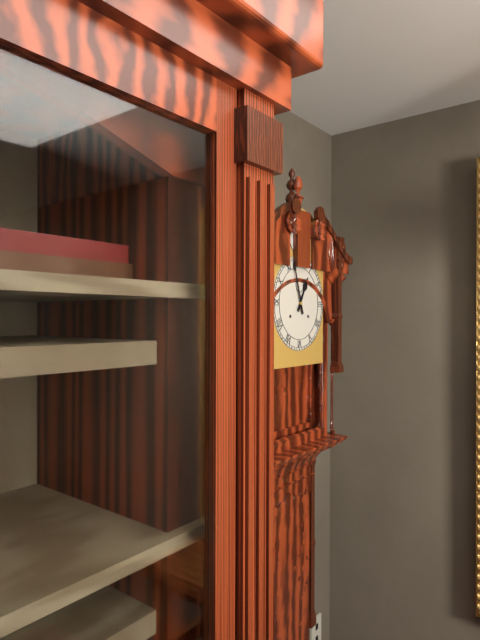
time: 12:57
